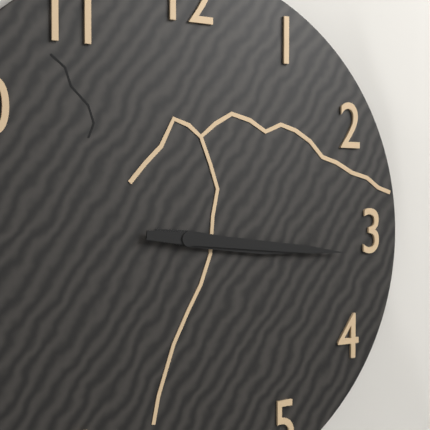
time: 3:16
